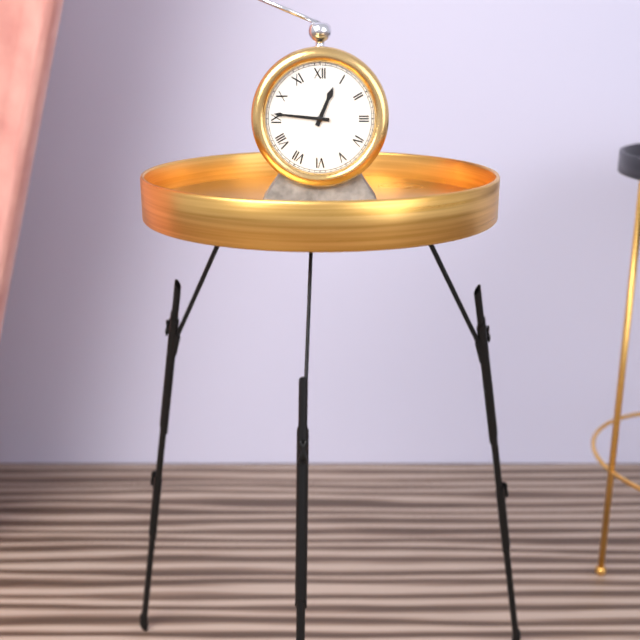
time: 12:46
